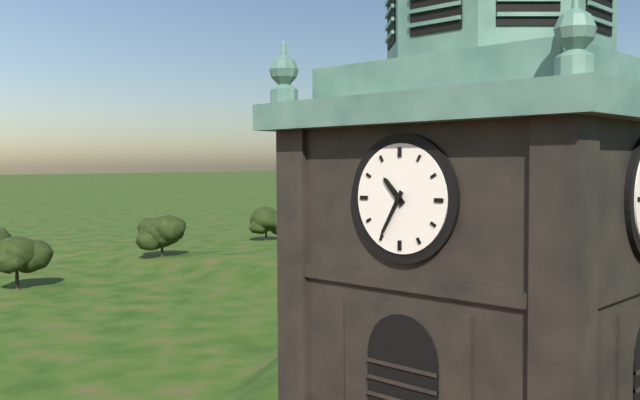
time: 10:35
